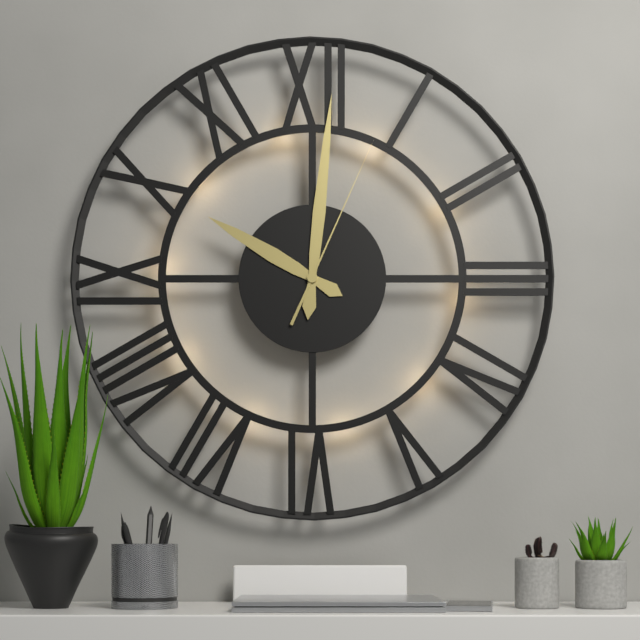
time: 10:01:04
